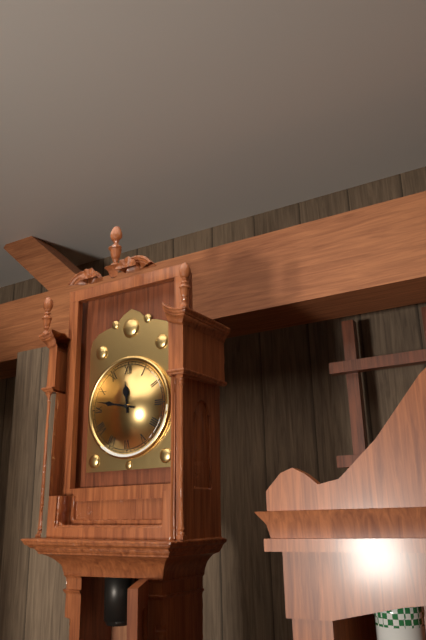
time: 11:47
